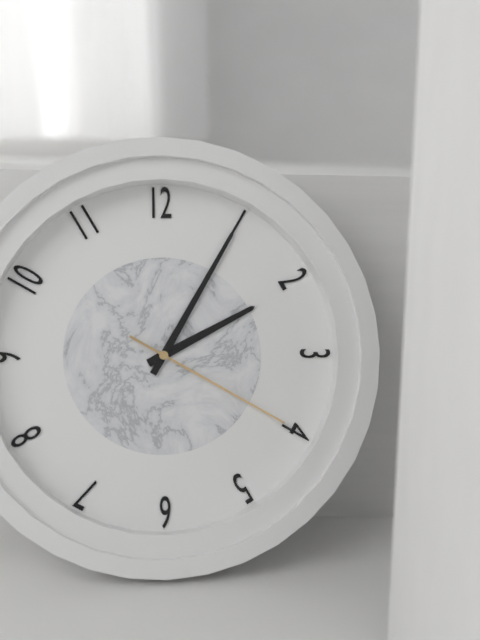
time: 2:05:20
